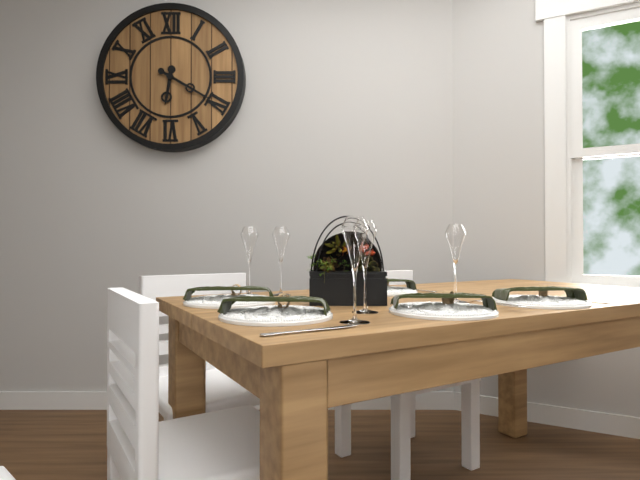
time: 6:20
